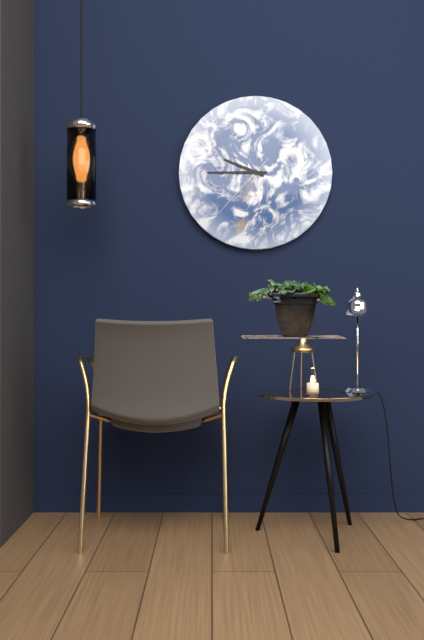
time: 9:45:37
